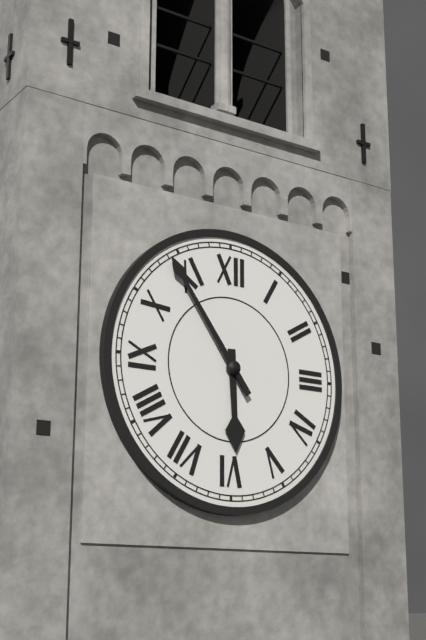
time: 5:54
